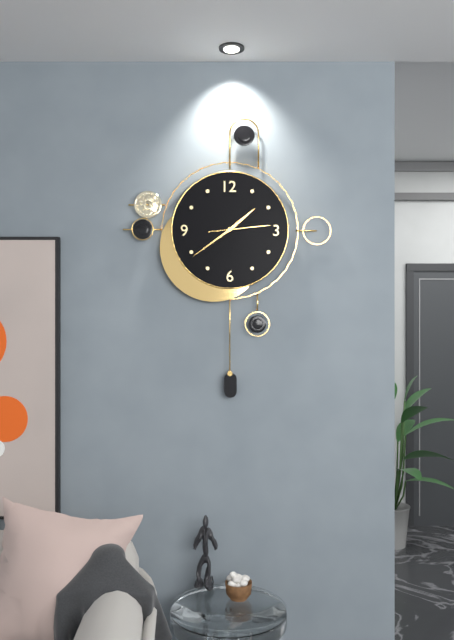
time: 1:39:14
